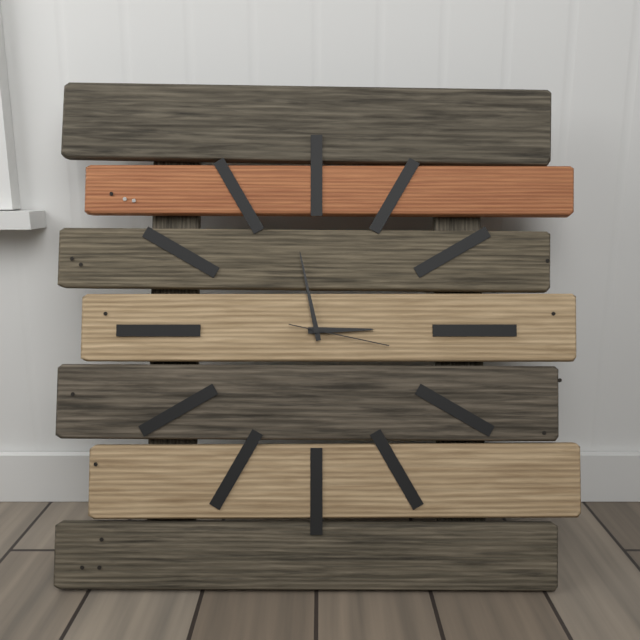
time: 2:58:17
